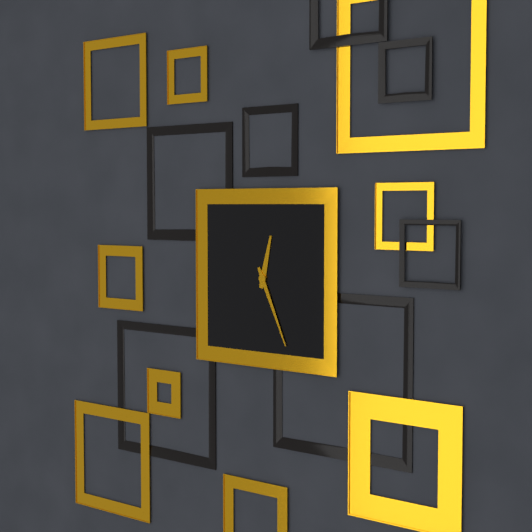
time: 12:26
